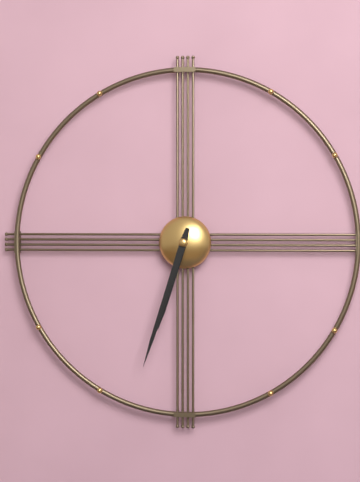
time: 6:33
